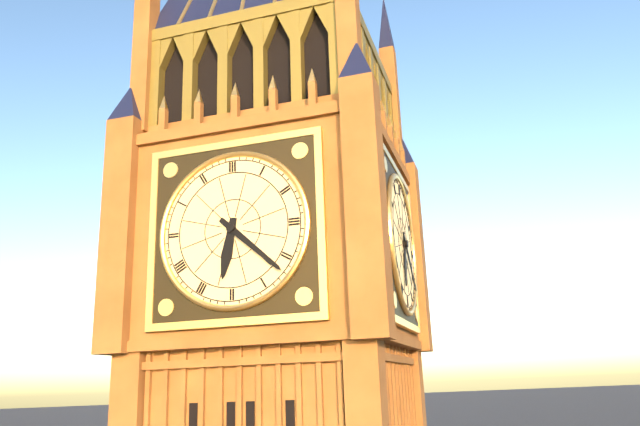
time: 6:22
